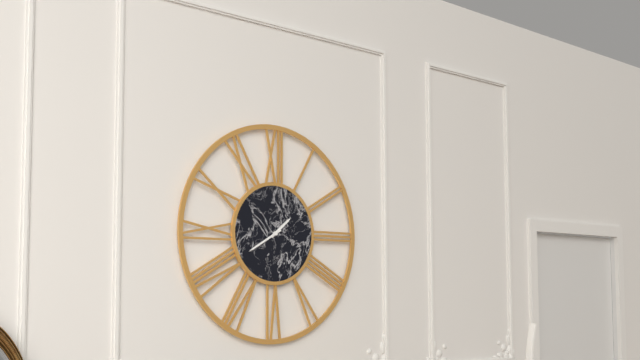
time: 1:40
